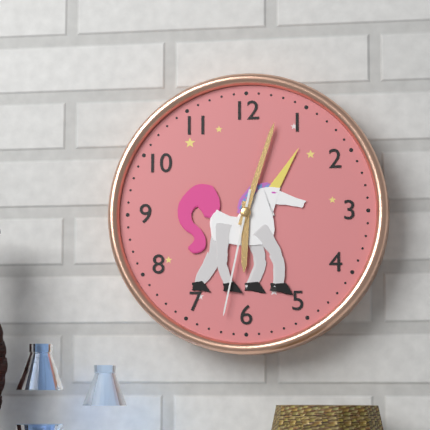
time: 6:03:32
